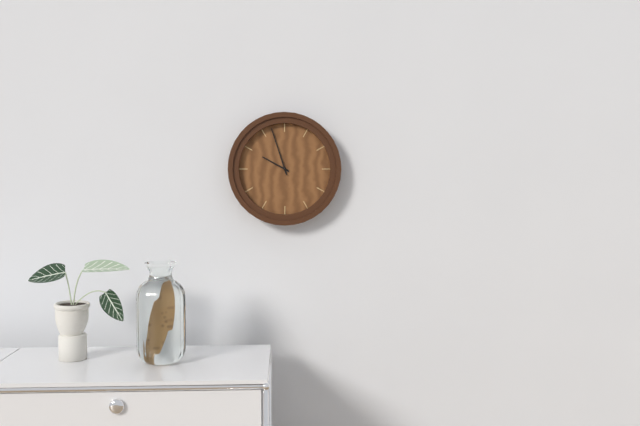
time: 9:57
